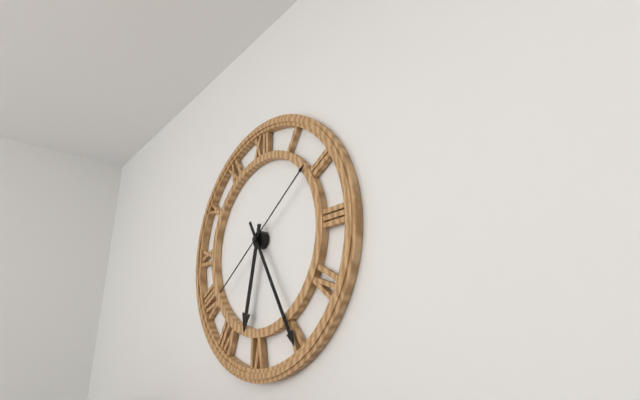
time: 6:25:09
